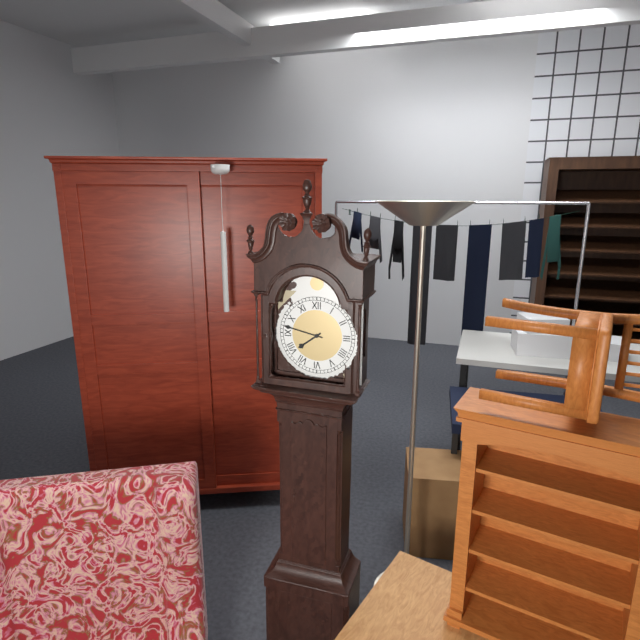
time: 7:47
